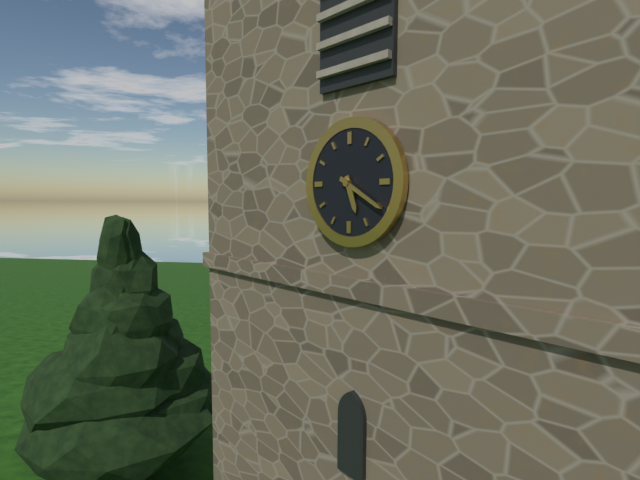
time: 5:20
